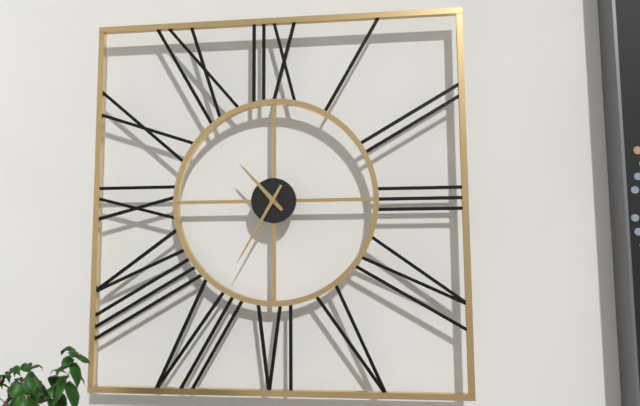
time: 10:35
